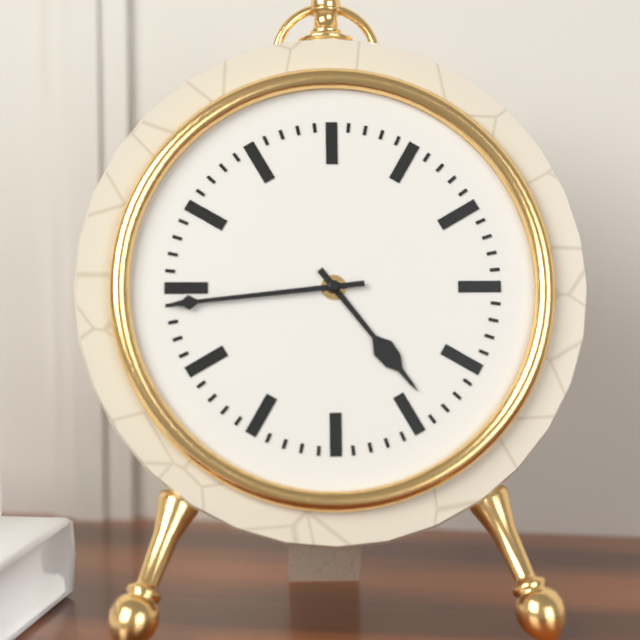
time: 4:44
